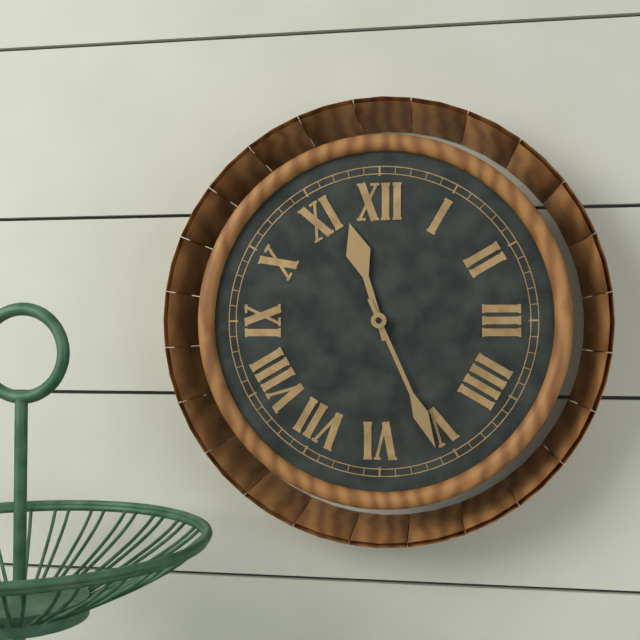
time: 11:26
